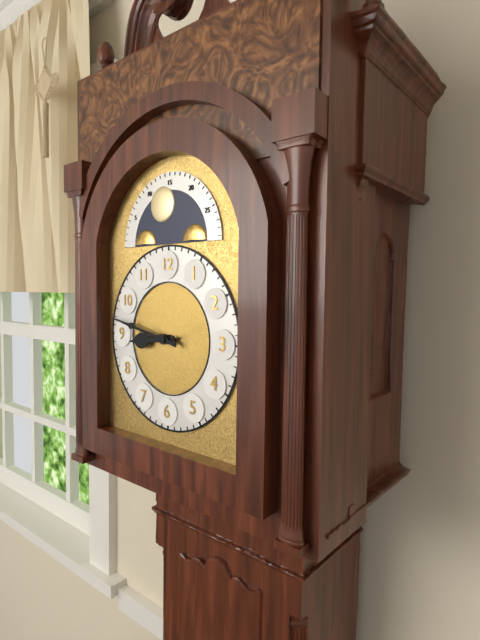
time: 8:47
